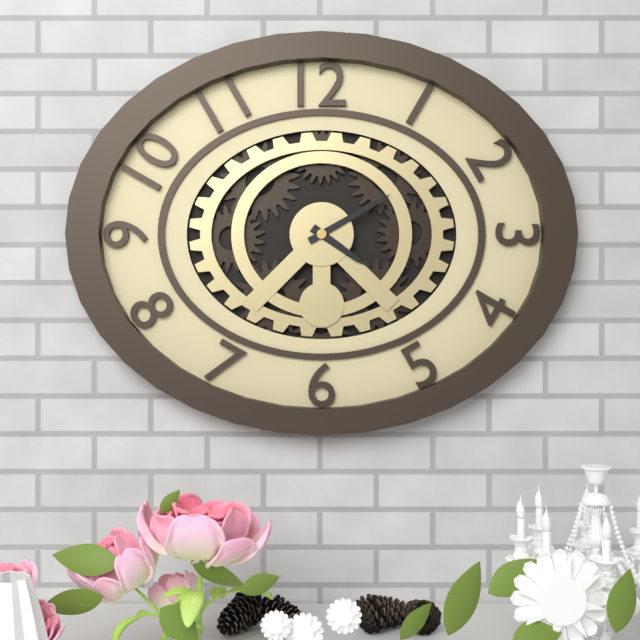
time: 4:10
